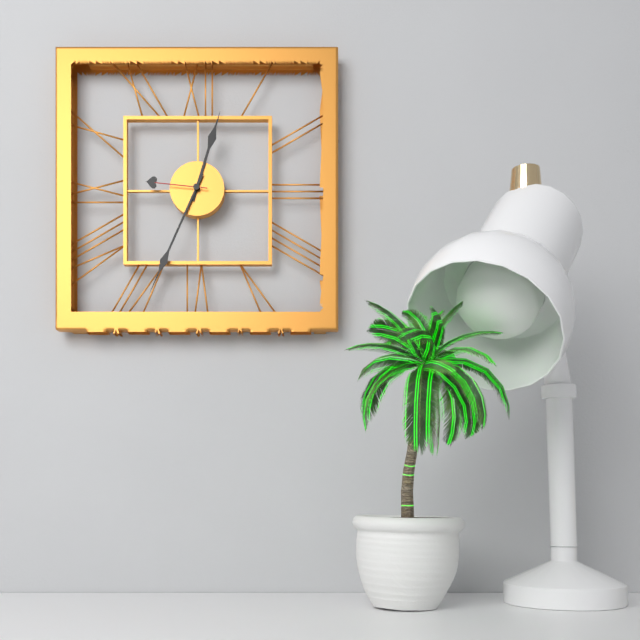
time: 12:34:46
